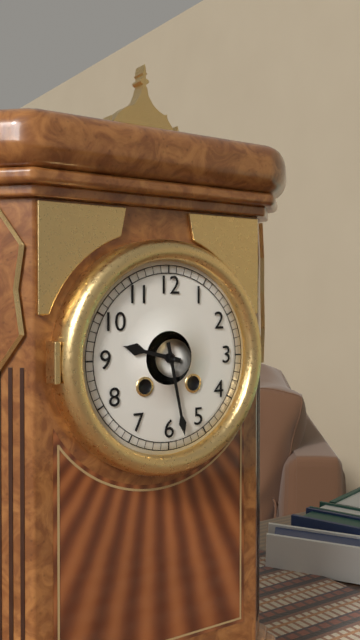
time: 9:28
